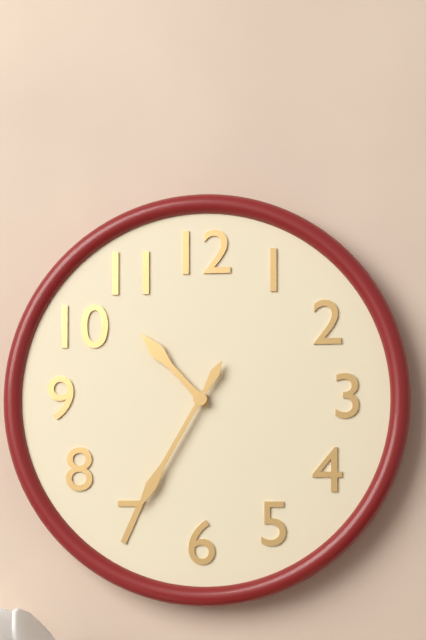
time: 10:35
